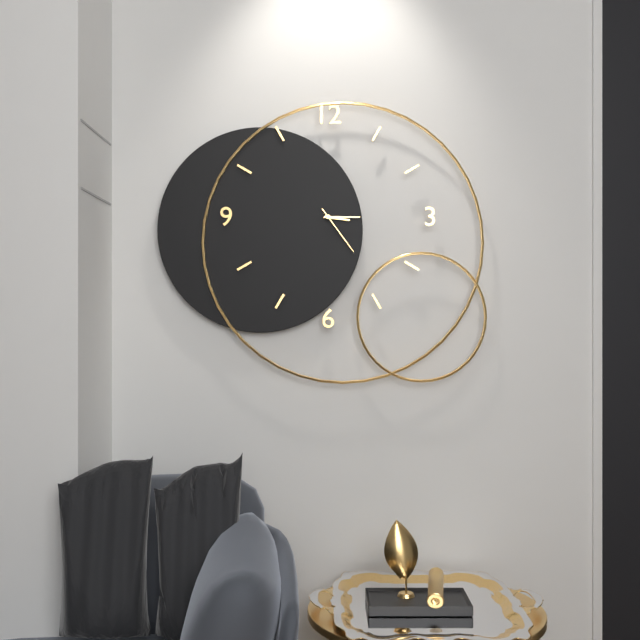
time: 3:15:24
